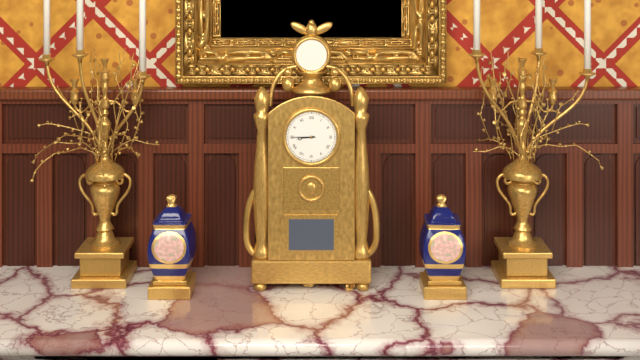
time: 8:45
